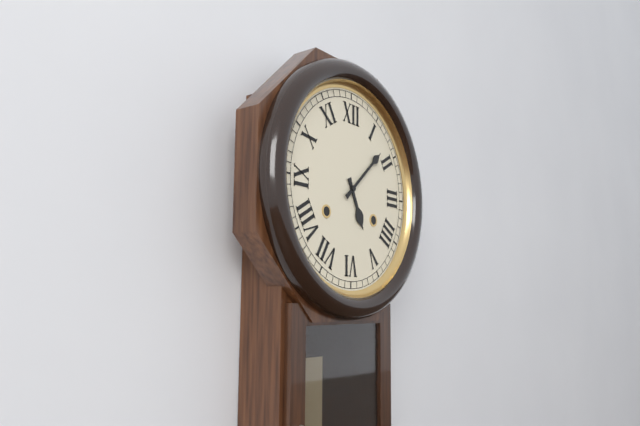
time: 5:08
